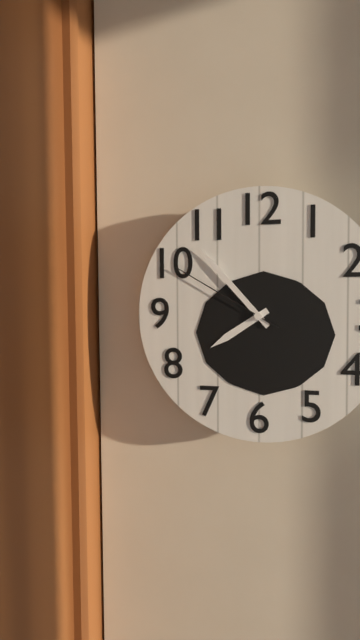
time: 7:53:50
